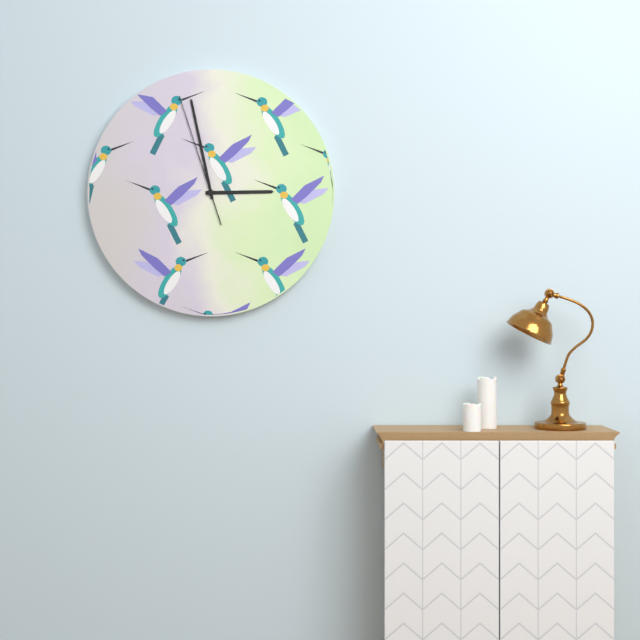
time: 2:58:57
